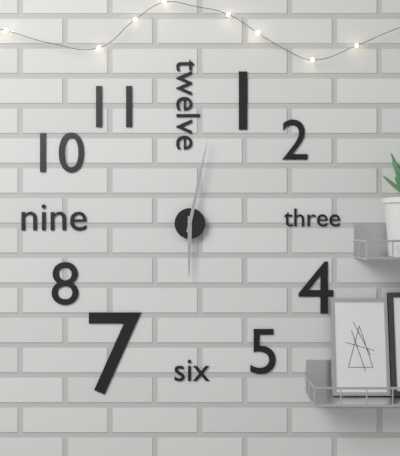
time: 6:02
